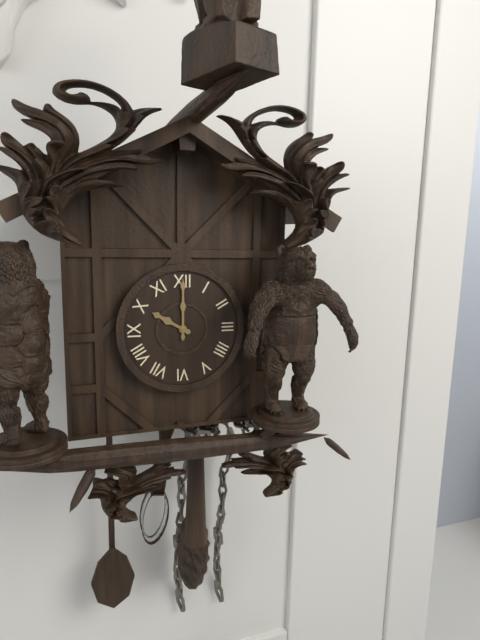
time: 10:00
